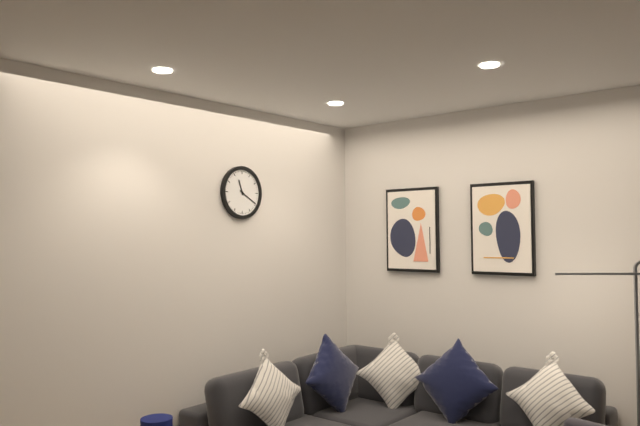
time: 11:20
